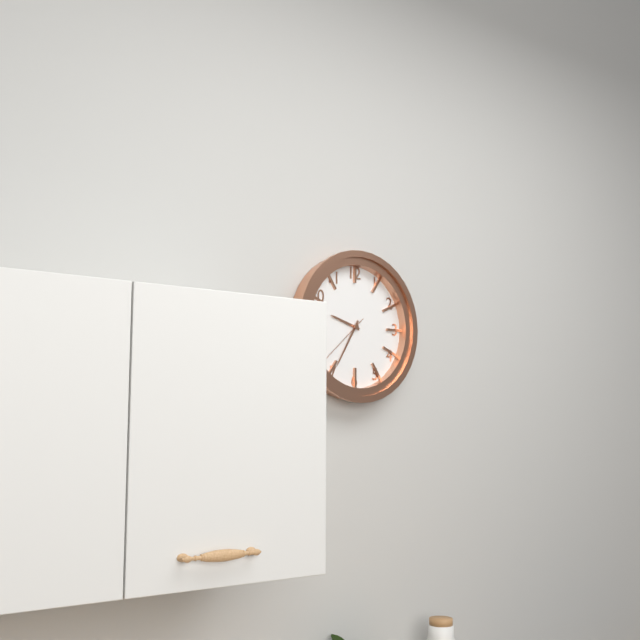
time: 9:35:38
